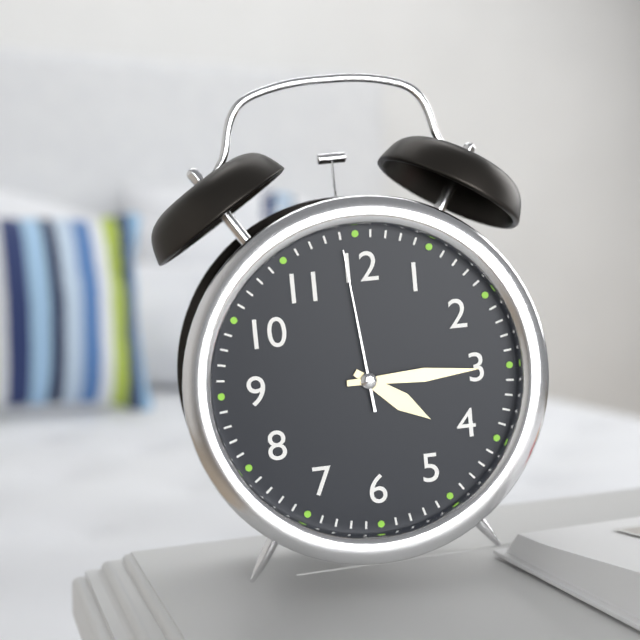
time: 4:15:59
